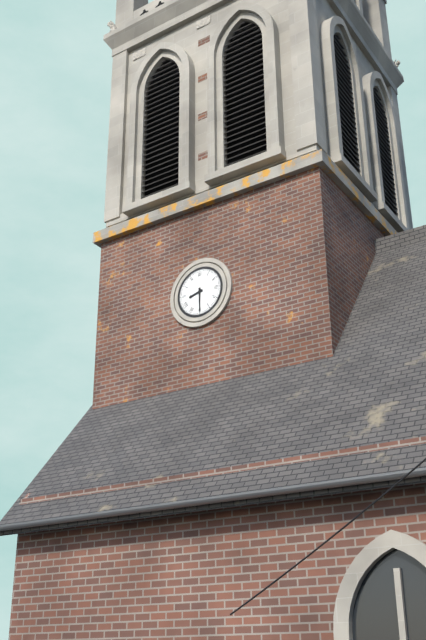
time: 8:30
